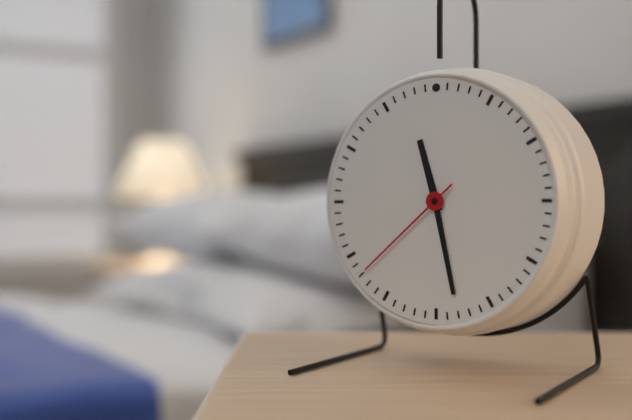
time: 11:28:38
